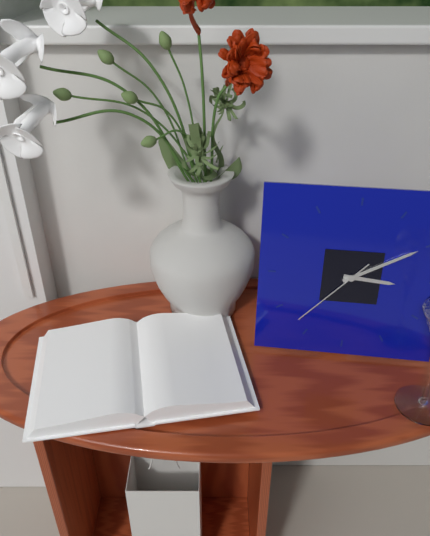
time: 3:10:37
